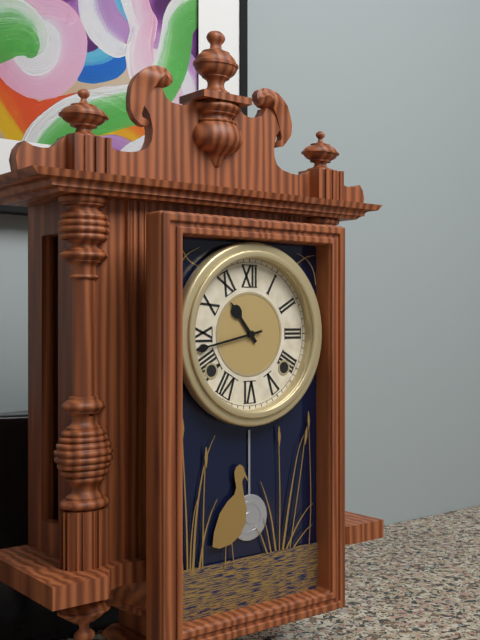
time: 10:43
